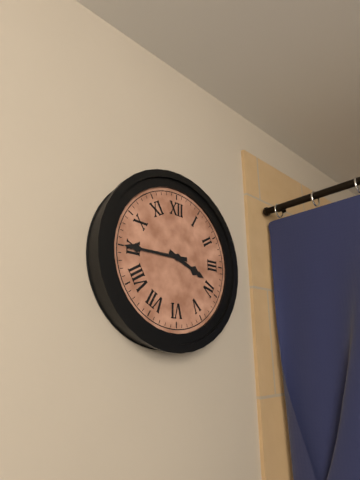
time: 3:45
